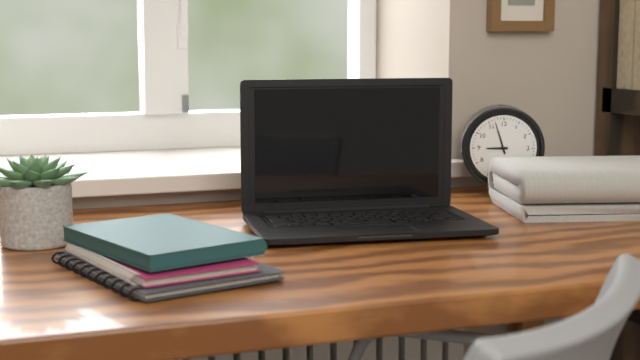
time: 8:57
